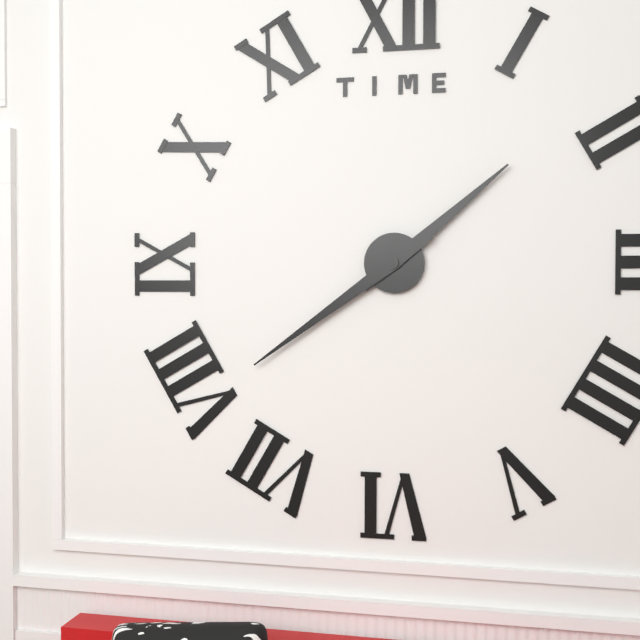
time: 1:39
